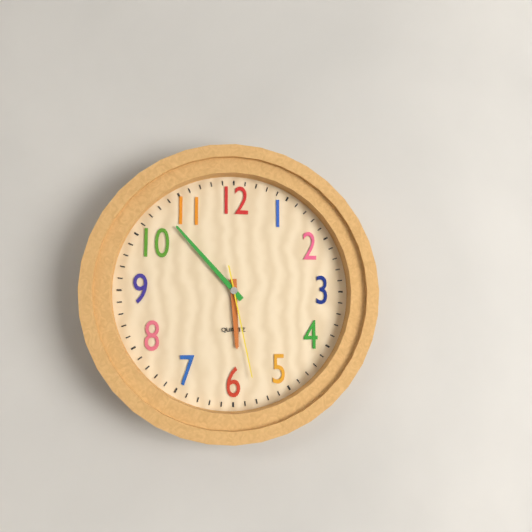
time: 5:53:28
